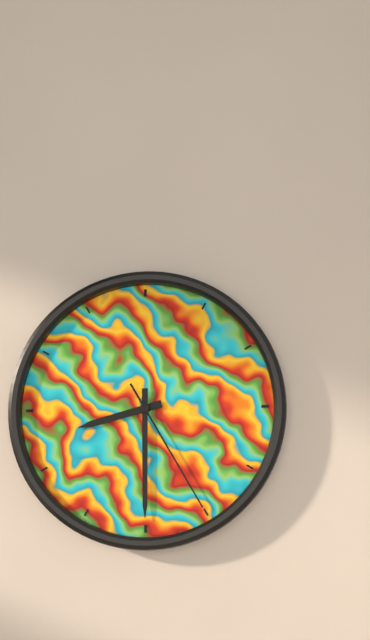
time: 8:30:25
